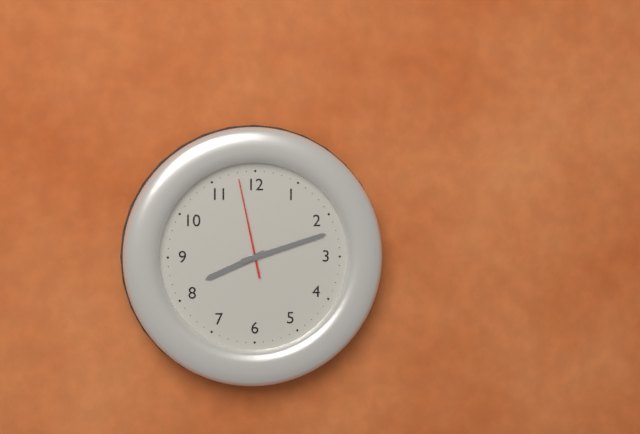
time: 8:12:58
